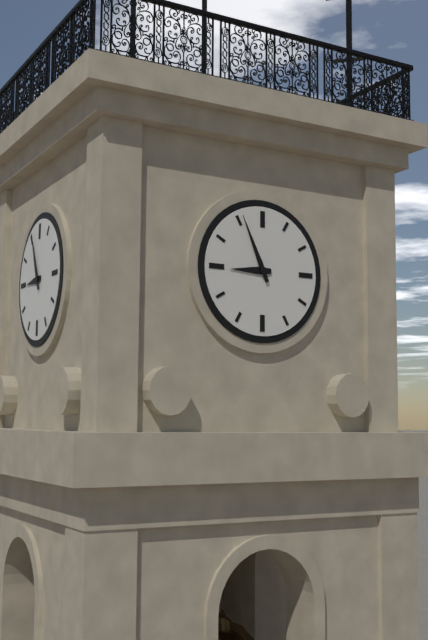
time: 8:56
